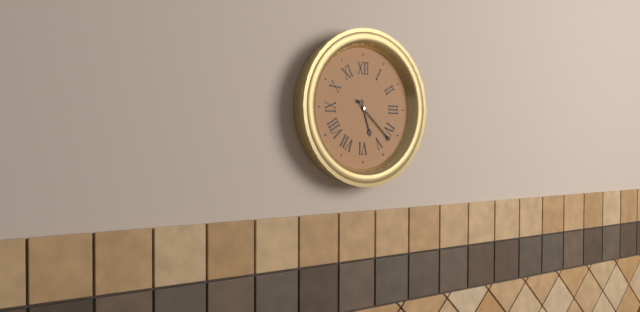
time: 5:22
